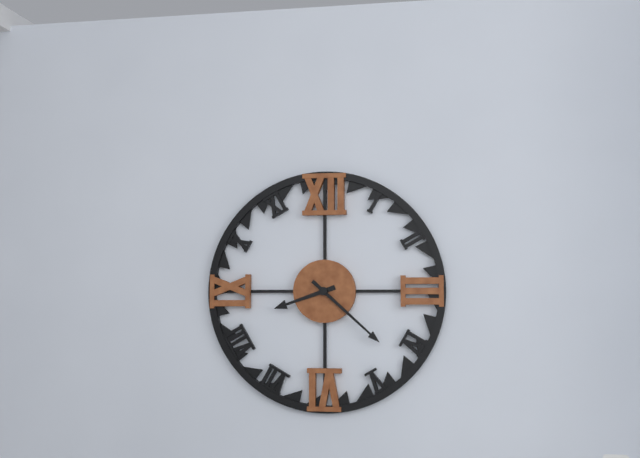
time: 8:22
